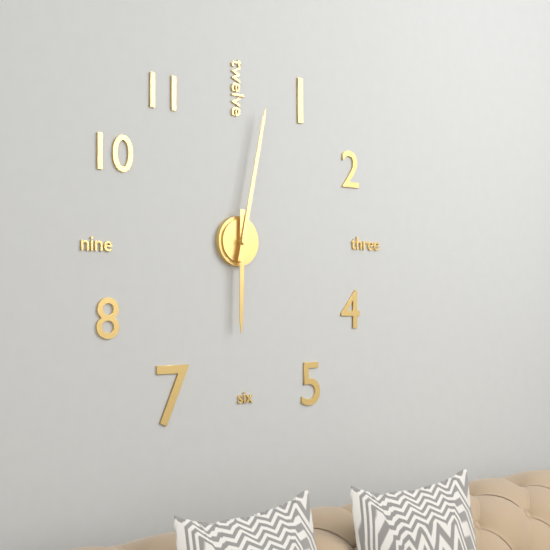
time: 6:02
